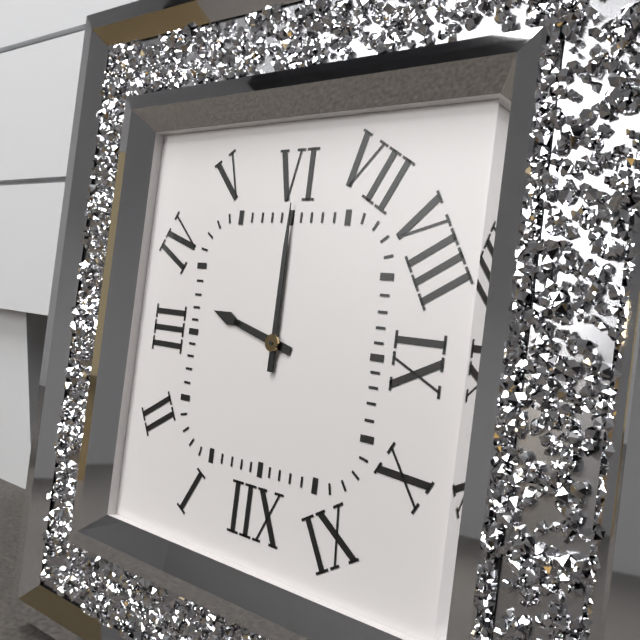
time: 3:30
